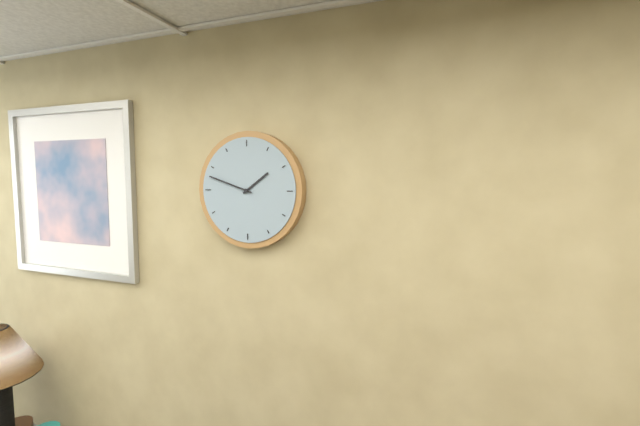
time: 1:48
